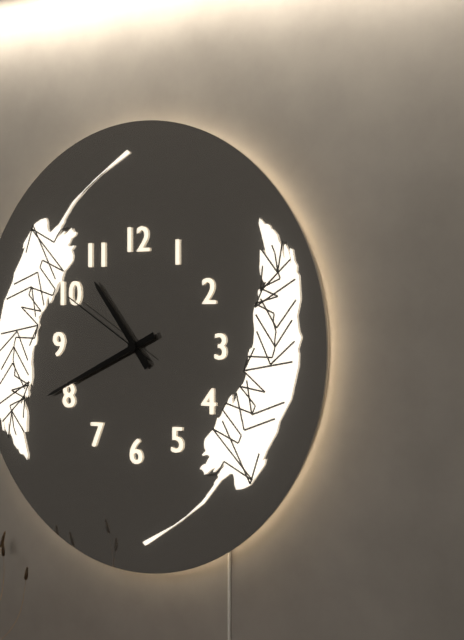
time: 10:41:50
